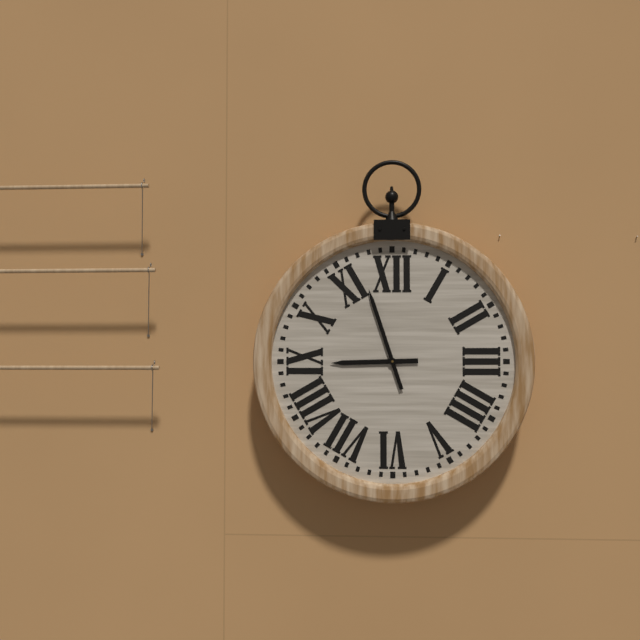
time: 8:57
